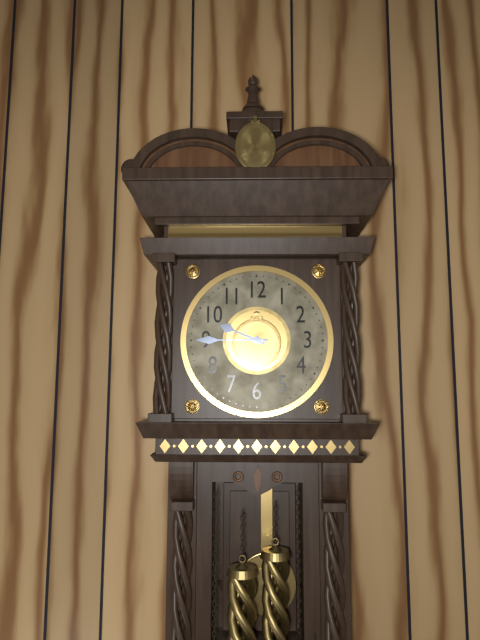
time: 9:45
